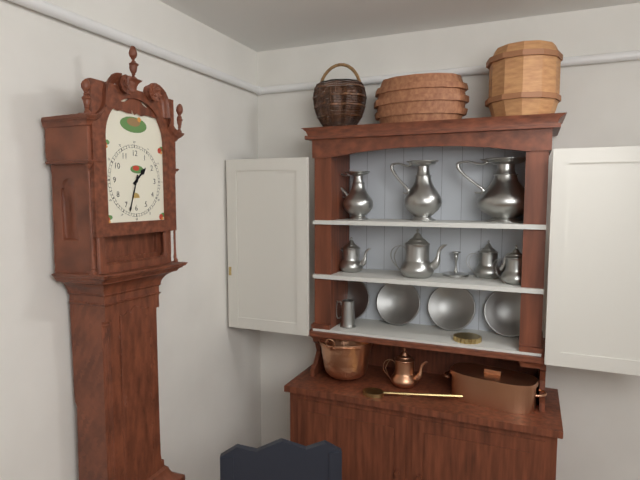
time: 1:33
